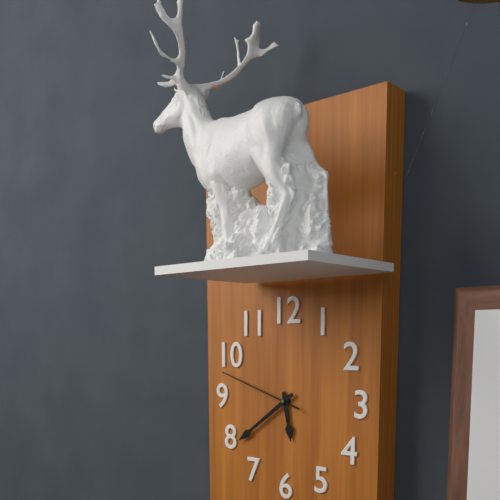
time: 5:39:48
